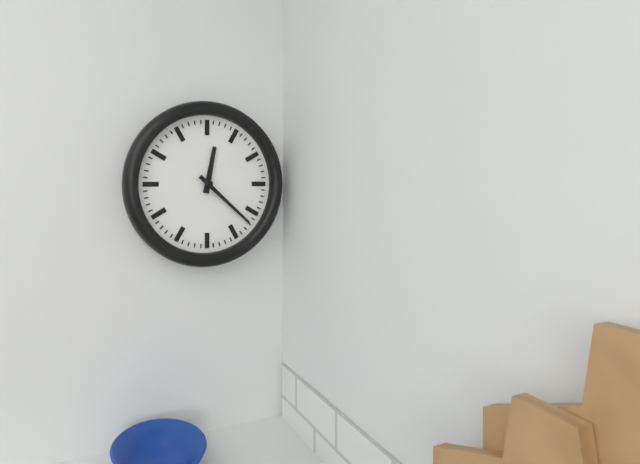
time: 12:22
